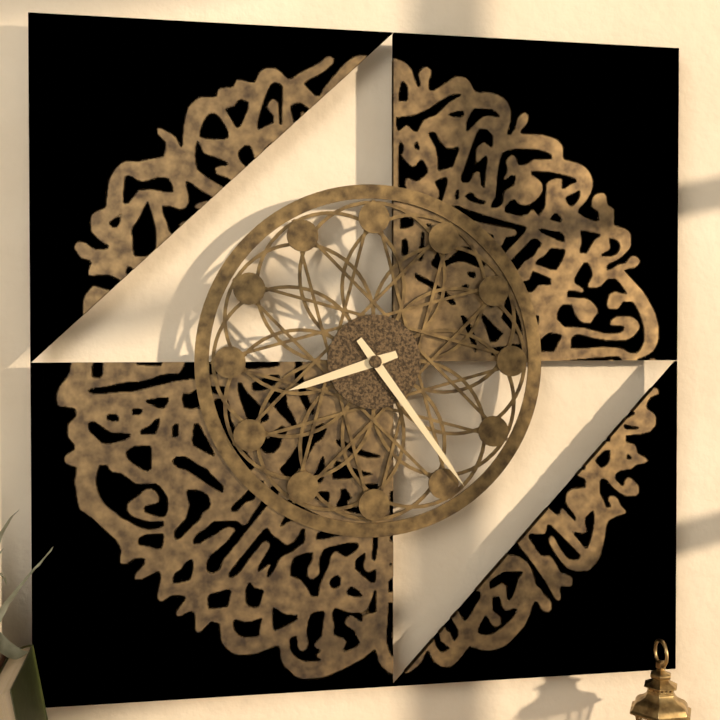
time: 8:24
